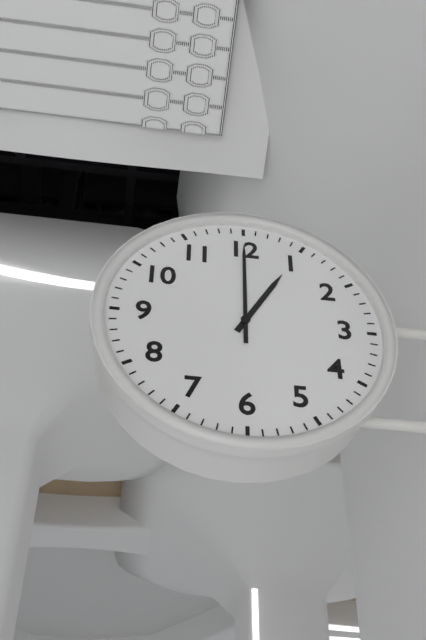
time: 1:00
